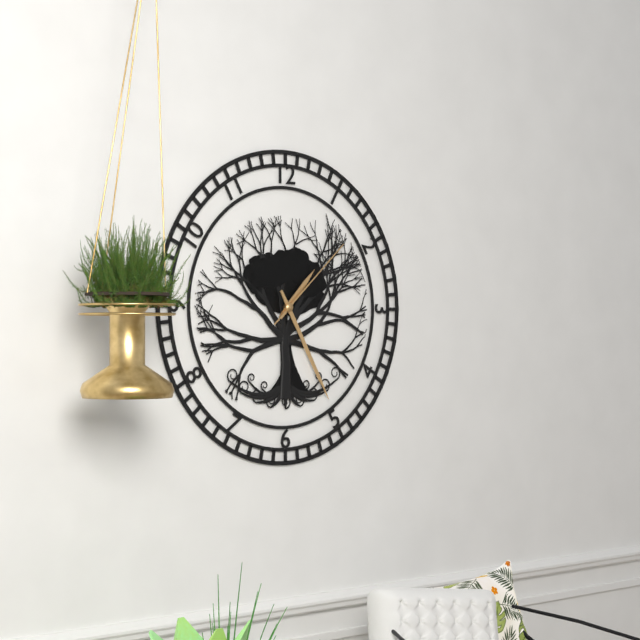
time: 1:25:08
